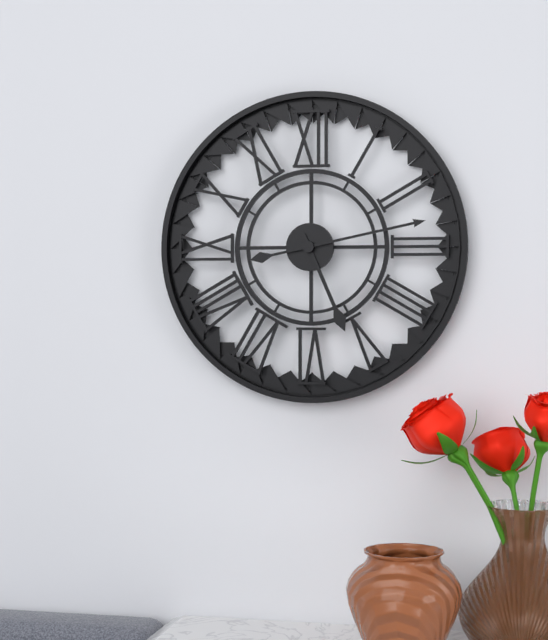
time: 5:13
